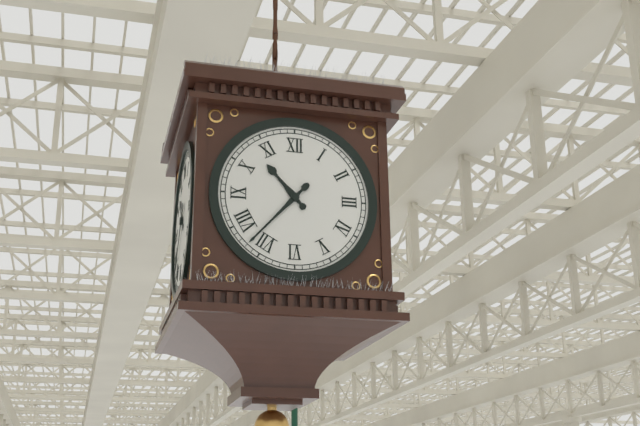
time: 10:37
